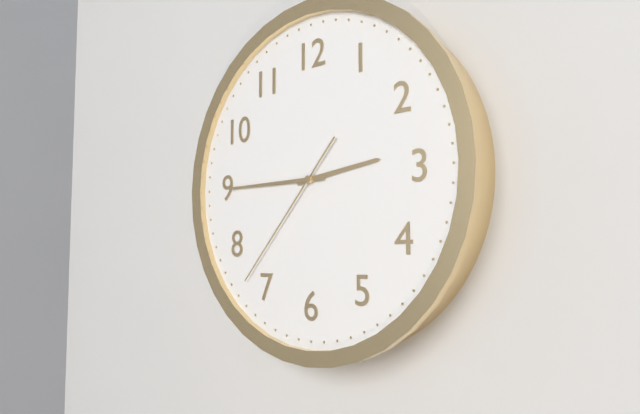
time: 2:45:37
